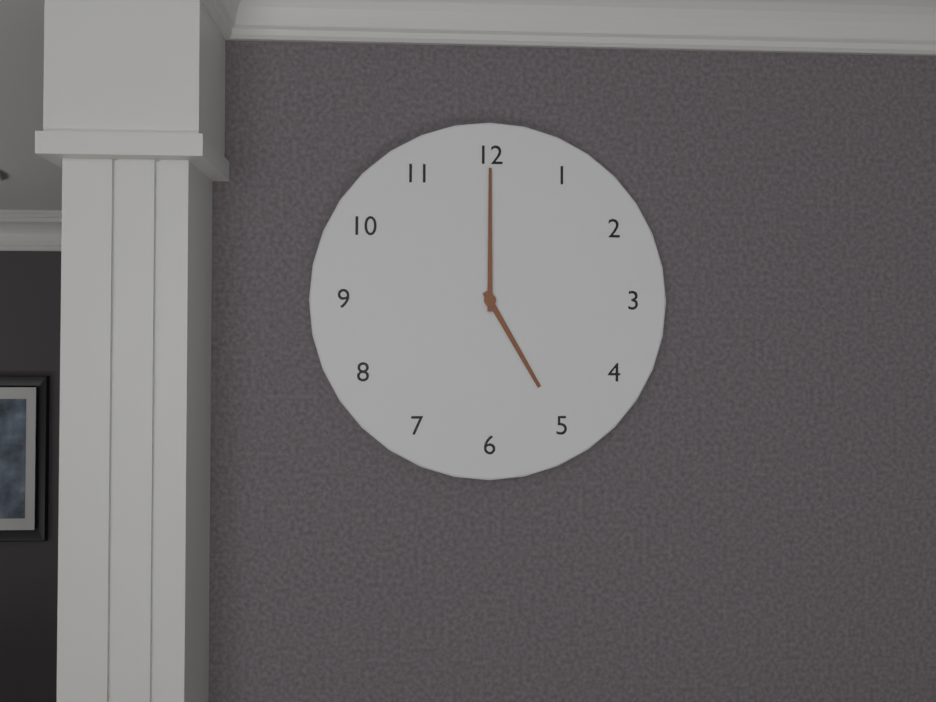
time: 5:00
